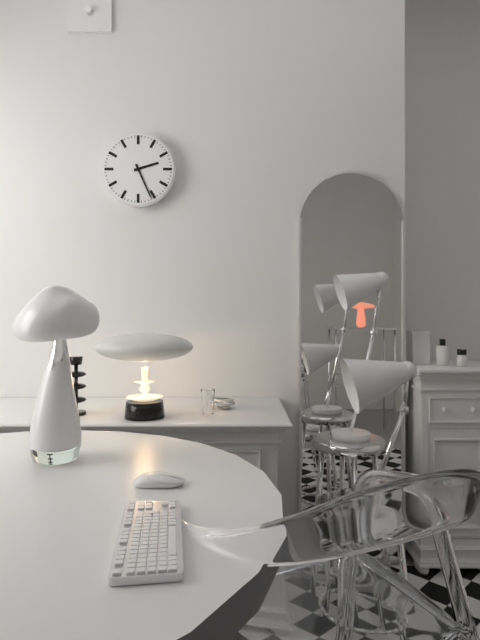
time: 2:26
